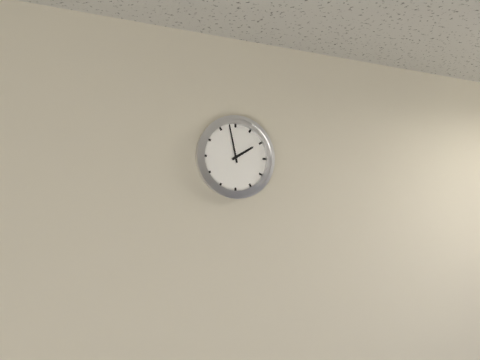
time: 1:58
